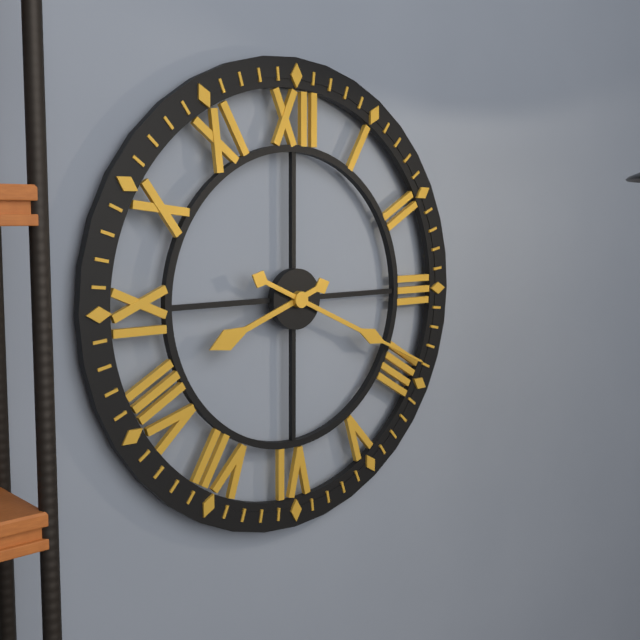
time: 8:19
